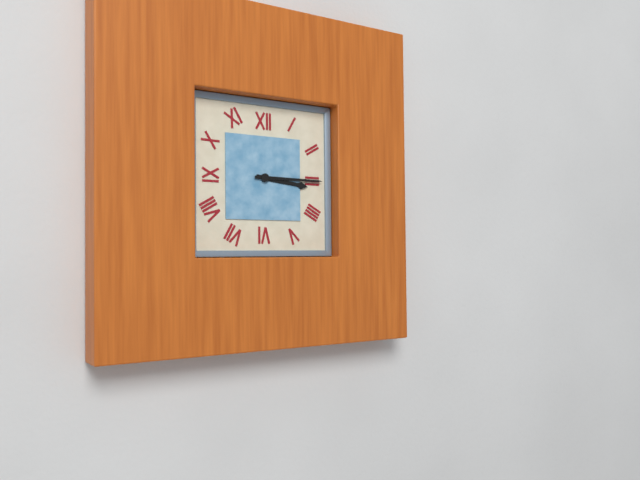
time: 3:15
